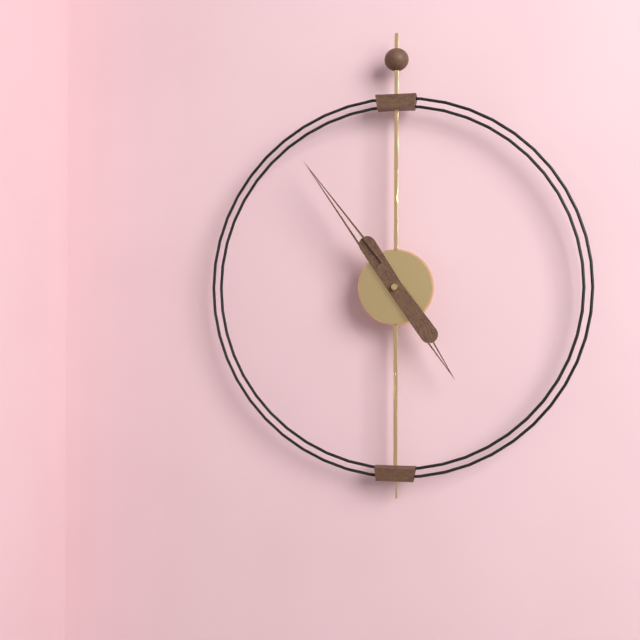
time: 4:54
